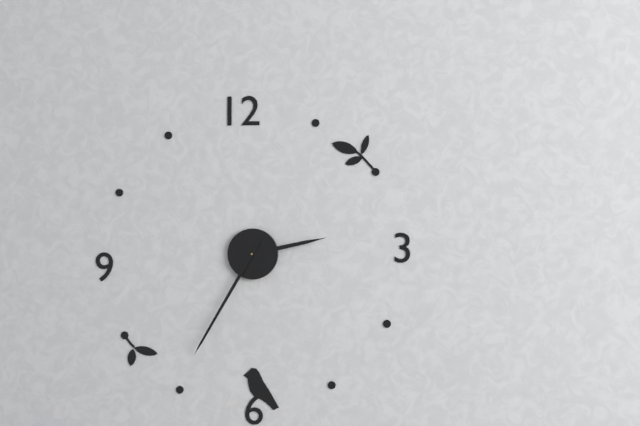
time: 2:35
